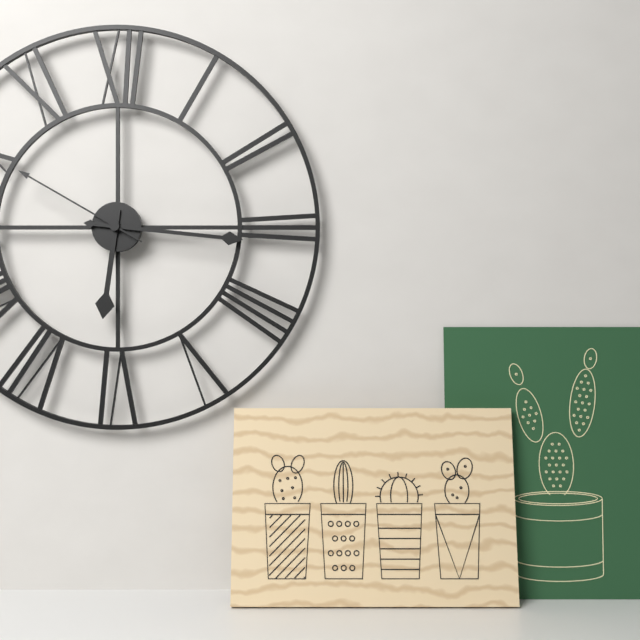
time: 6:16:50
